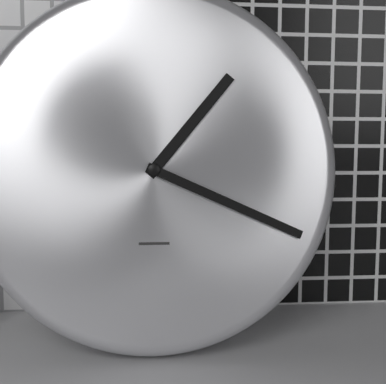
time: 1:19
